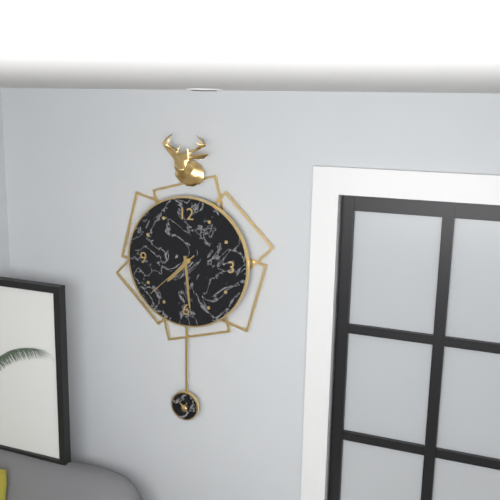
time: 7:29:38
